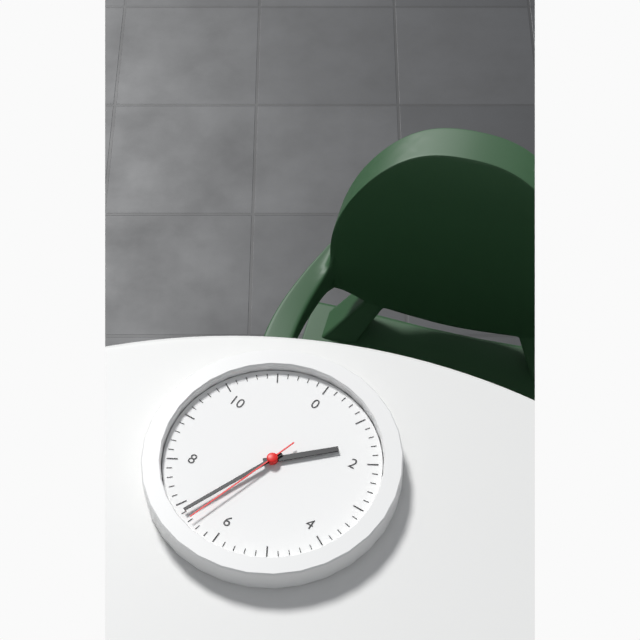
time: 1:34:33
